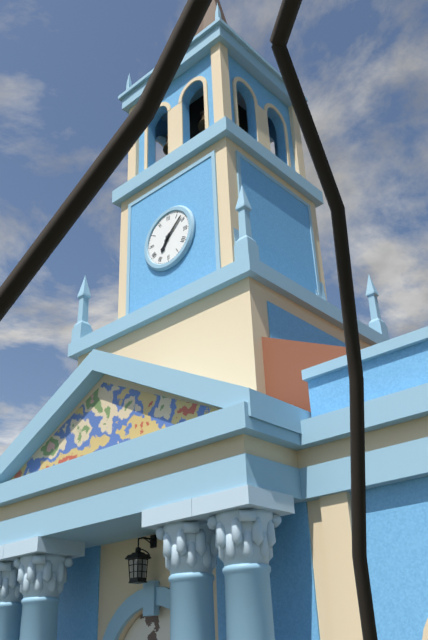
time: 7:08
